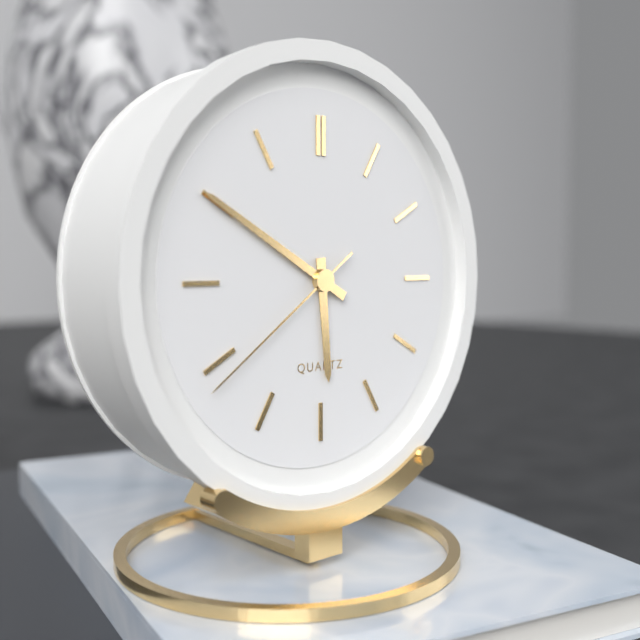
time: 5:50:39
